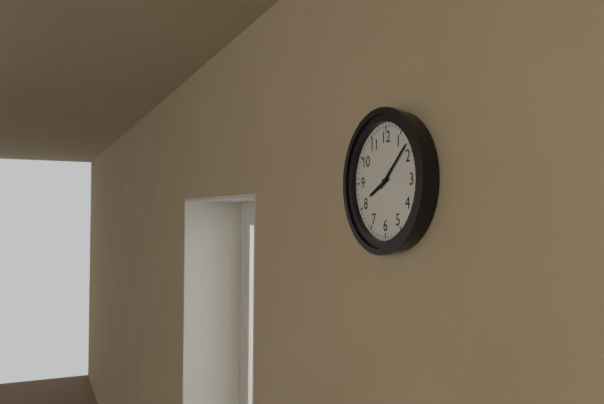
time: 8:08
